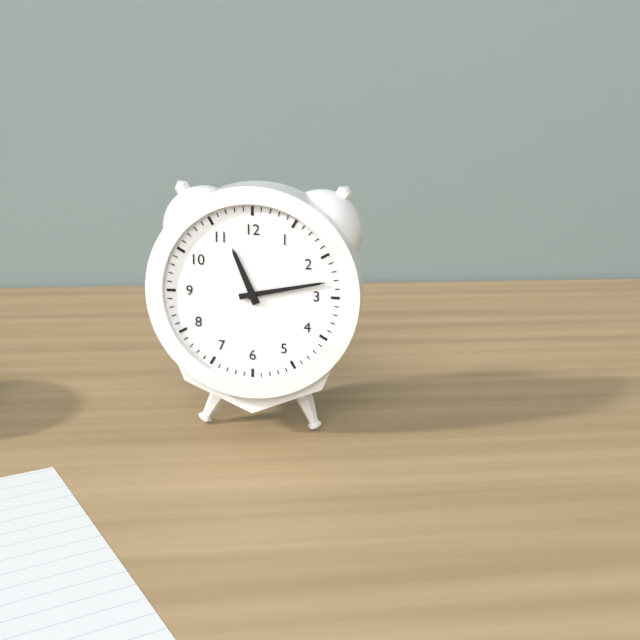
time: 11:13
